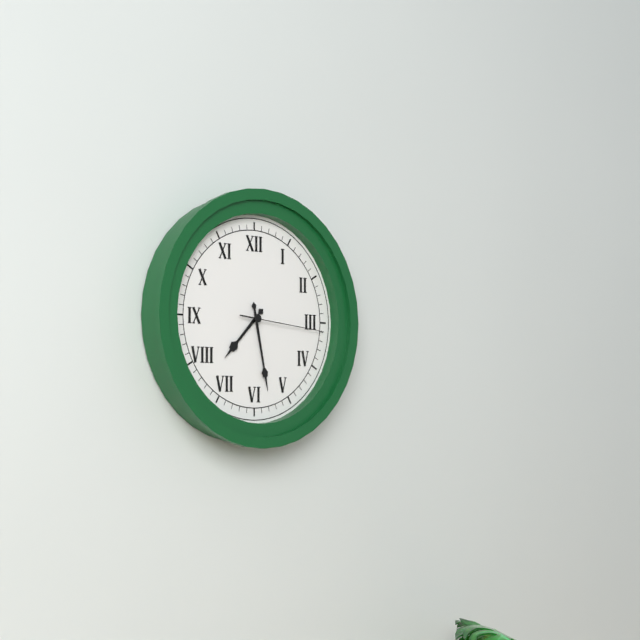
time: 7:28:16
